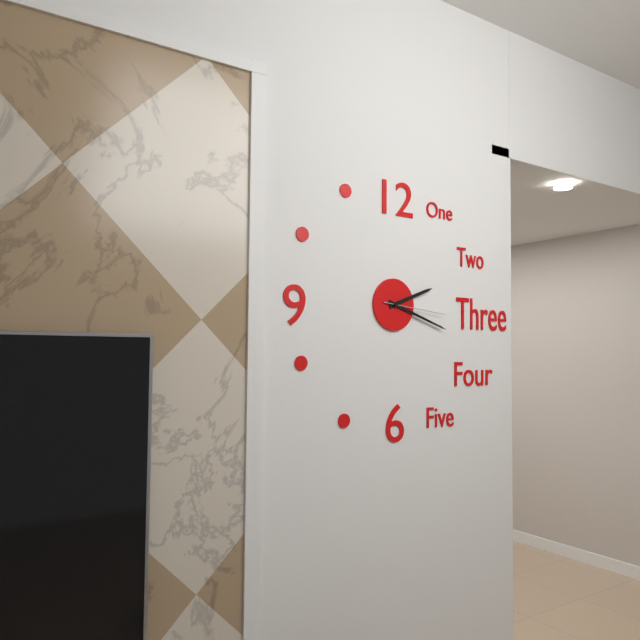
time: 2:18:16
